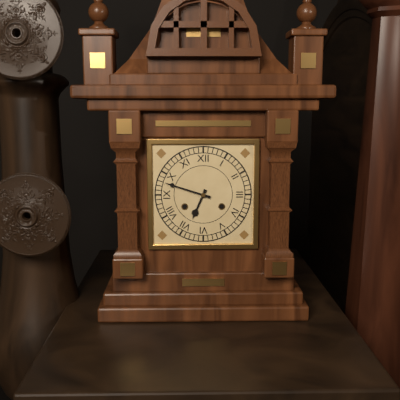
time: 6:48
